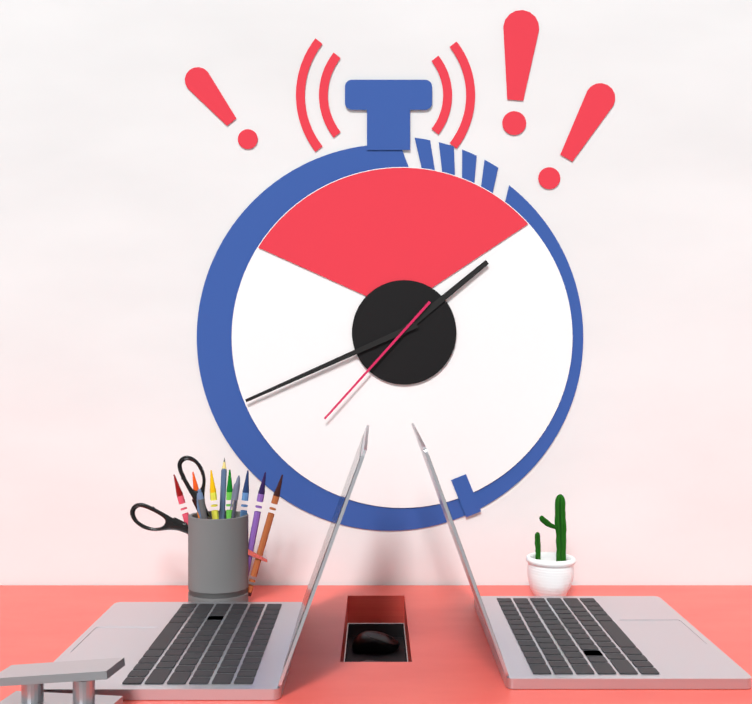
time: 1:41:37
